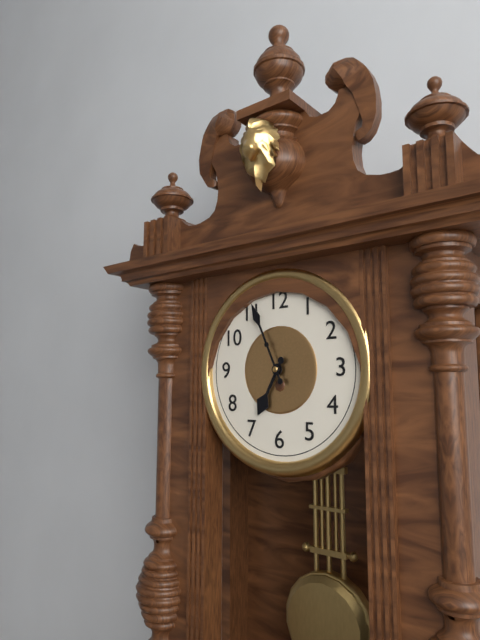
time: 6:56
